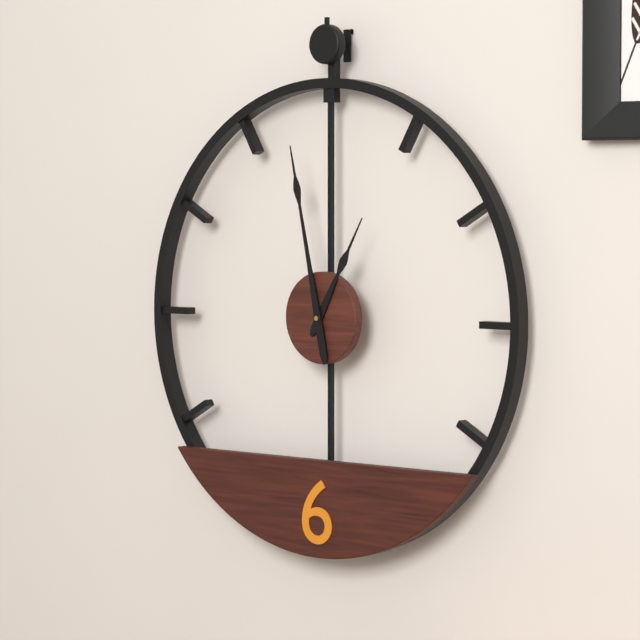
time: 12:58
